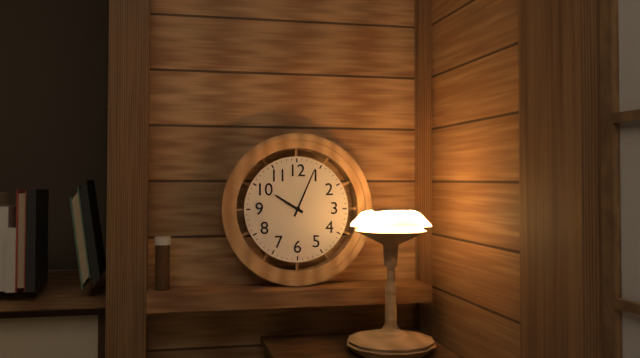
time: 10:04
